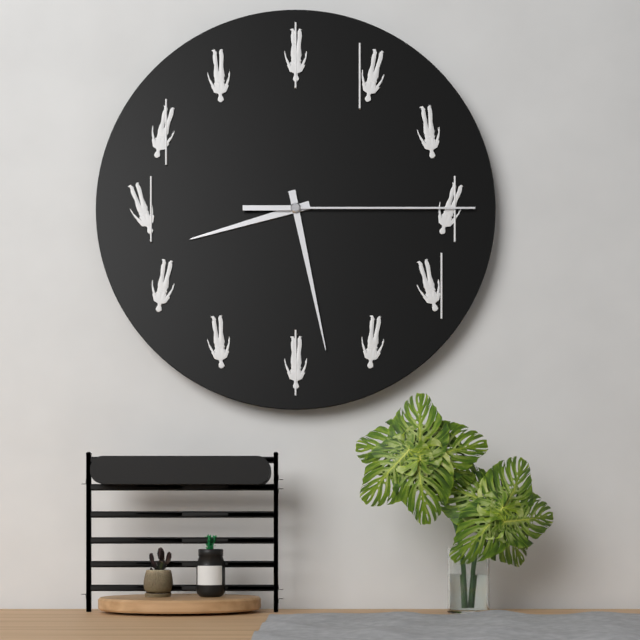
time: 8:28:15
